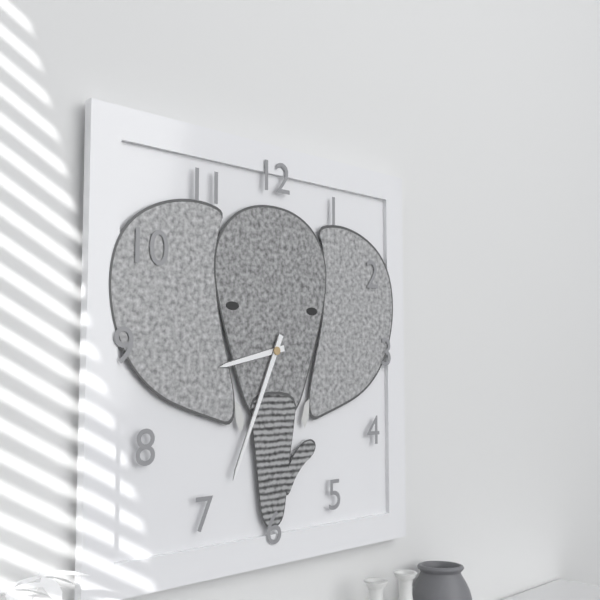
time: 8:34
